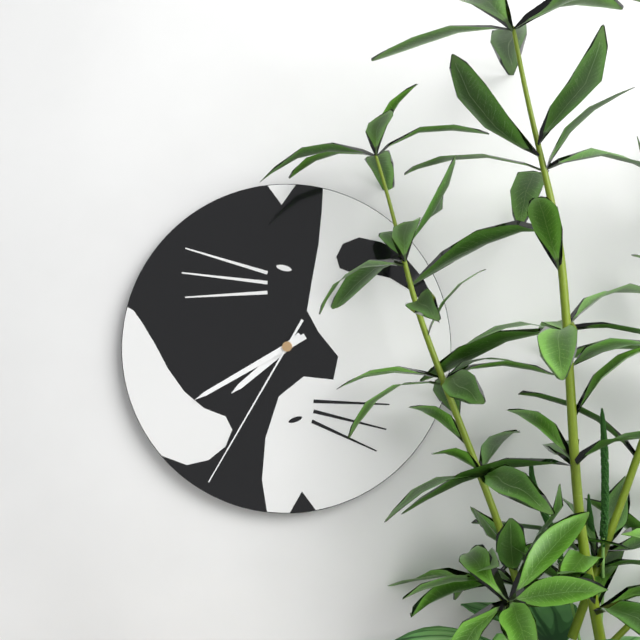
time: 7:40:35
